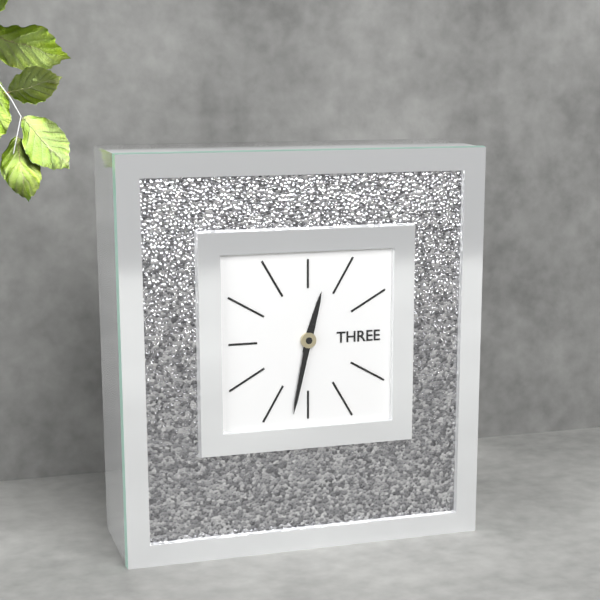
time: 12:32
